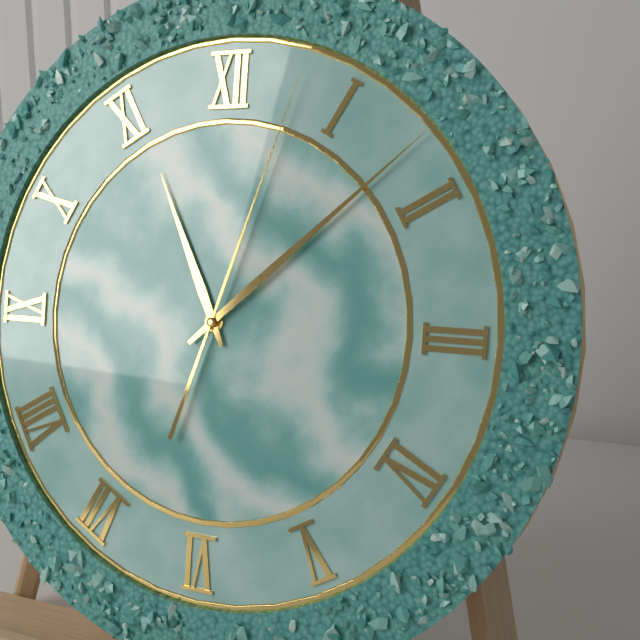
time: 11:08:03
